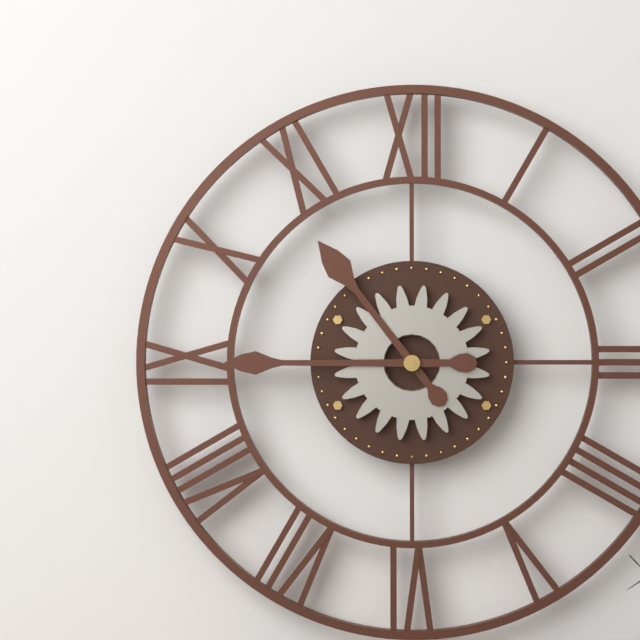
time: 10:45
